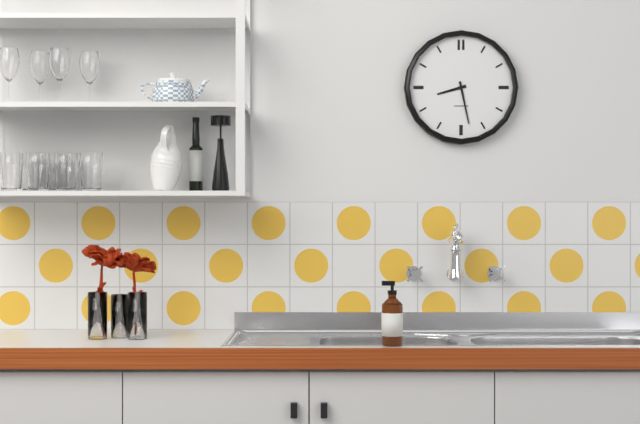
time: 8:28
